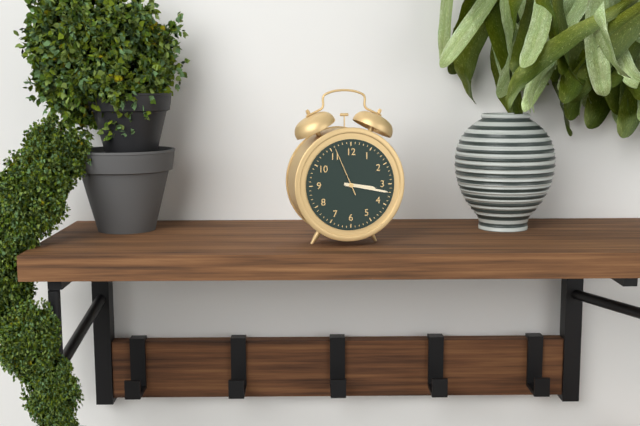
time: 3:17
